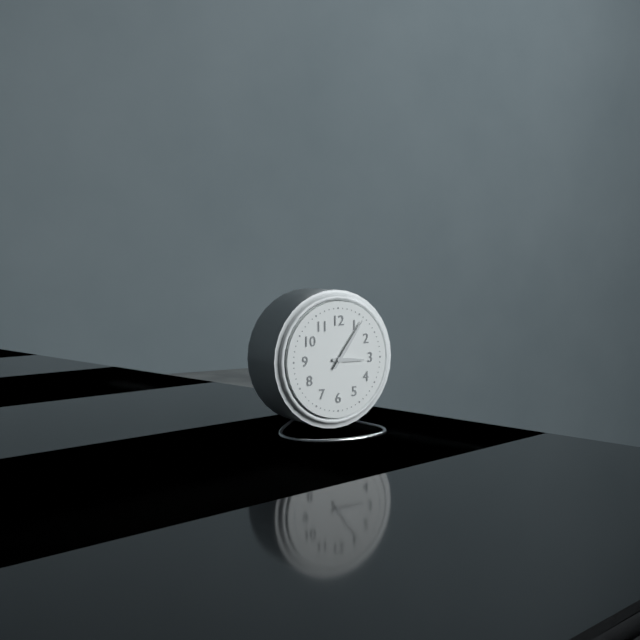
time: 3:06
